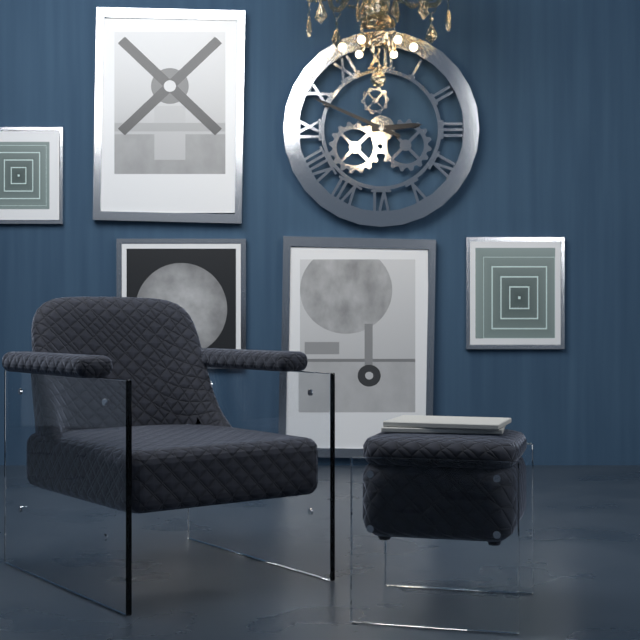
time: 2:49
